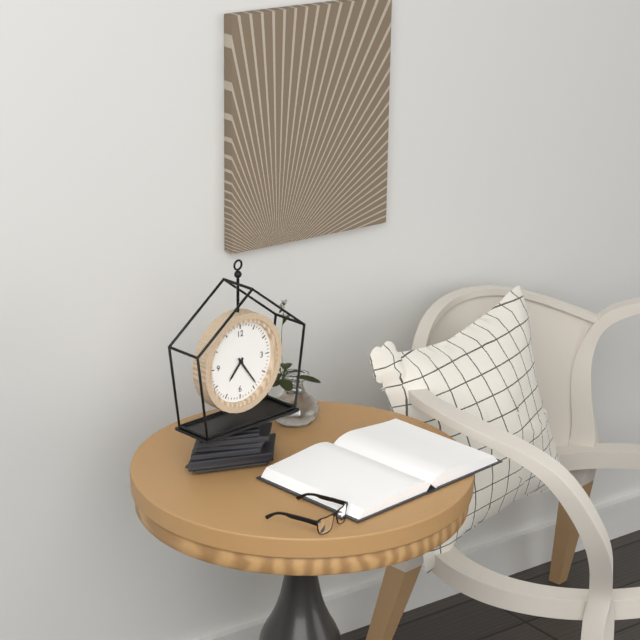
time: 7:24
